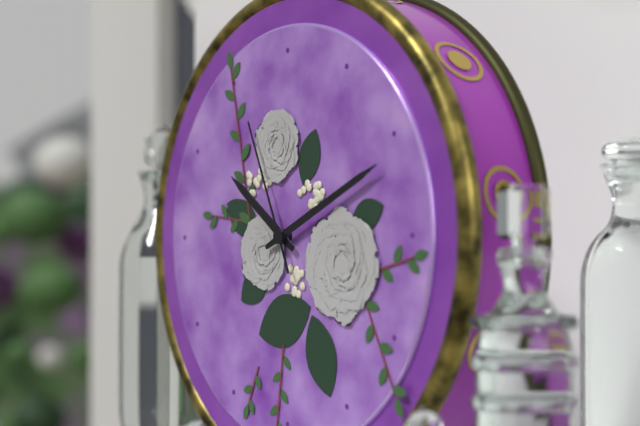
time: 10:11:56
